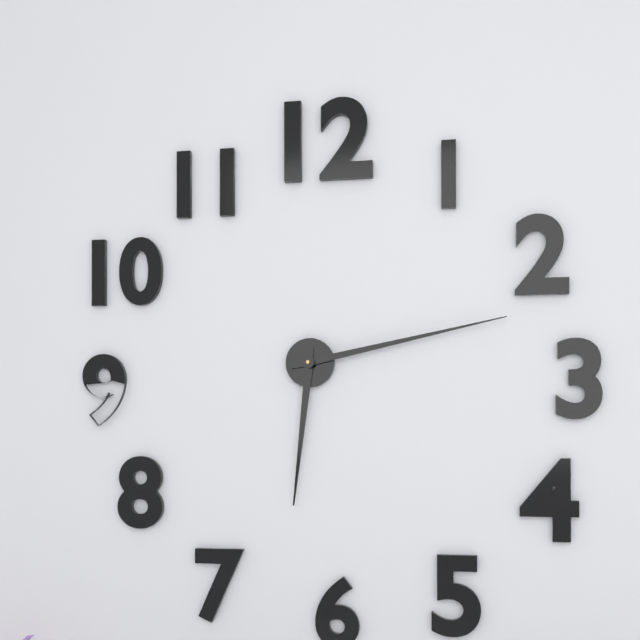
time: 6:13
